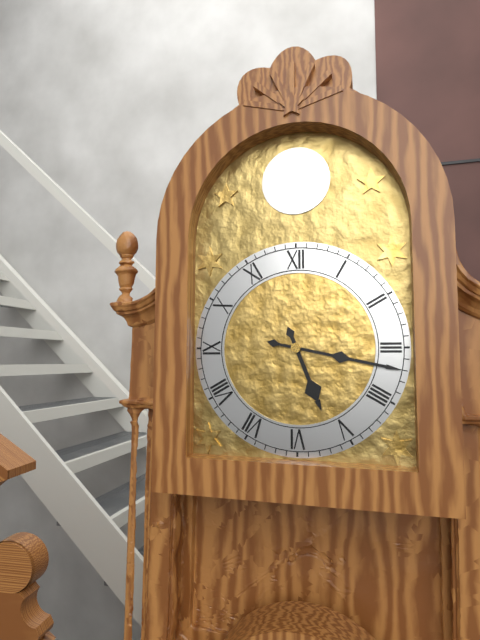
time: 5:17
